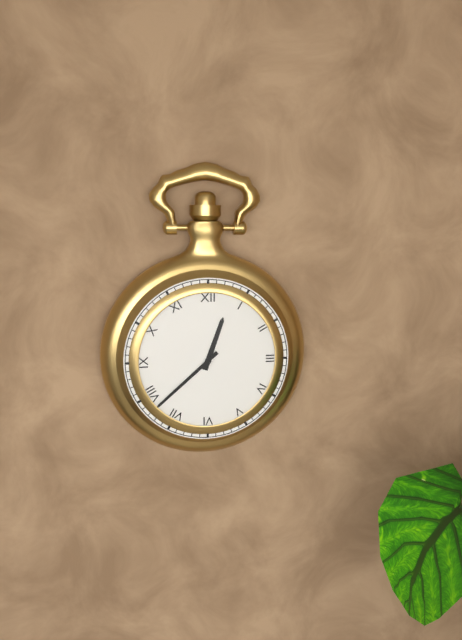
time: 12:38
